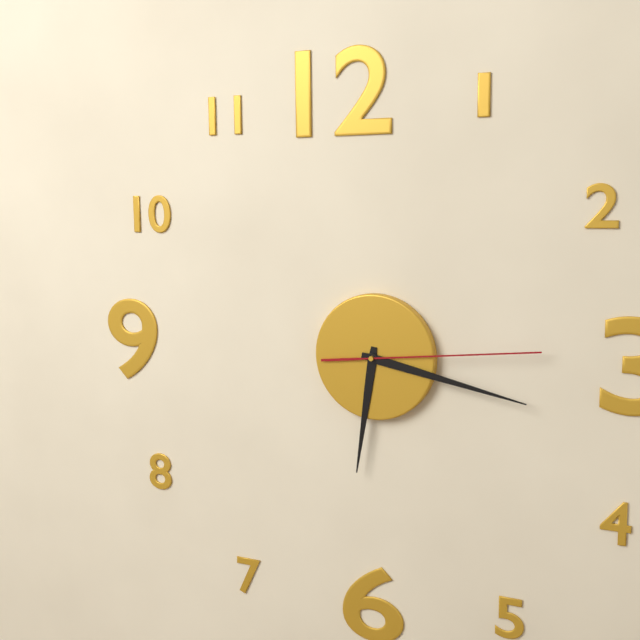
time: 6:17:14
